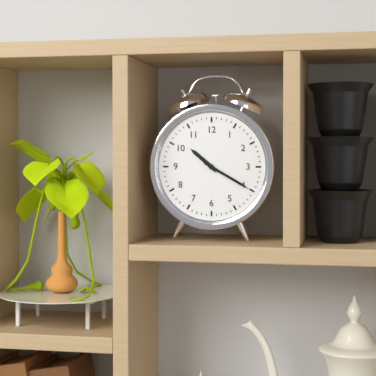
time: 10:20
